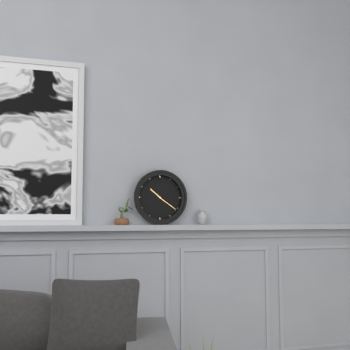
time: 10:21
